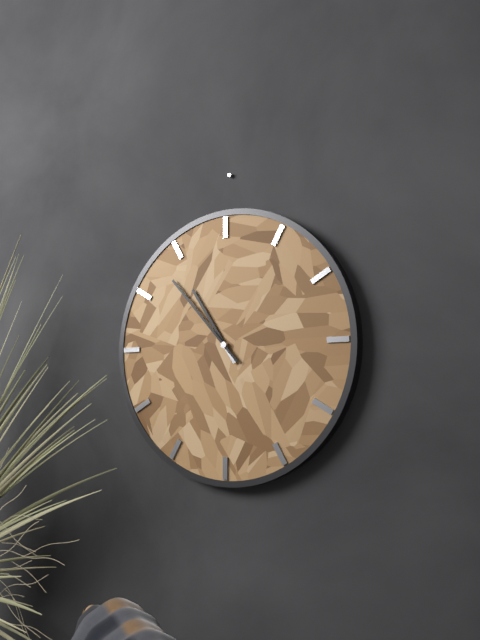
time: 10:53
